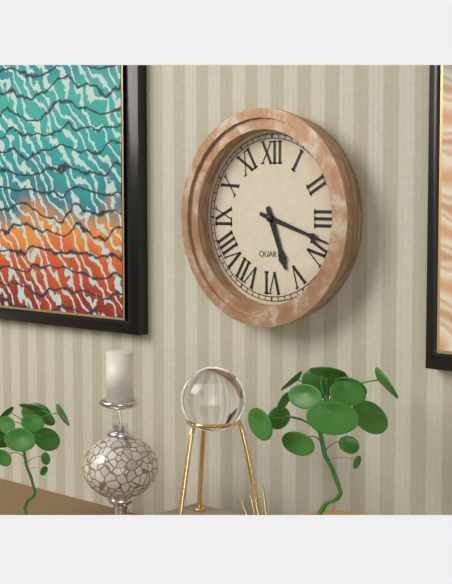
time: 5:18
